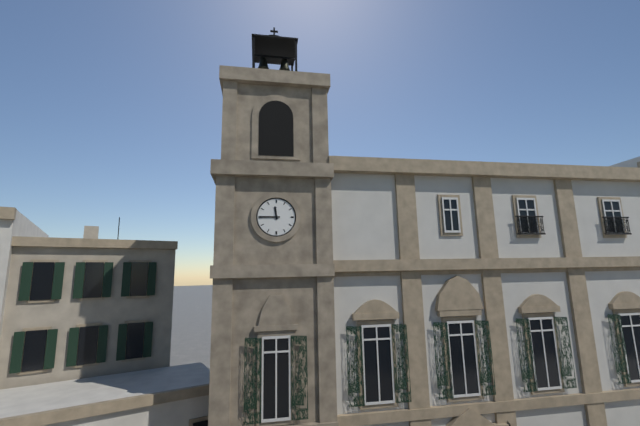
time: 11:45
